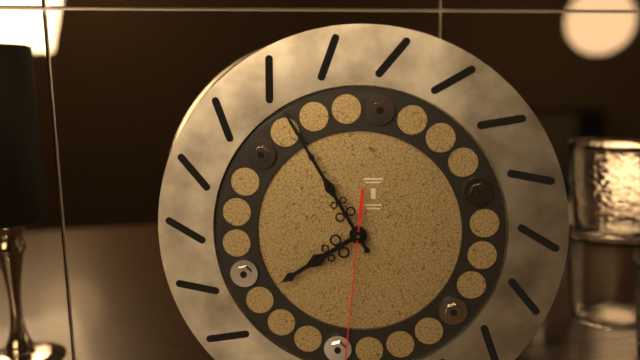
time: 7:55
